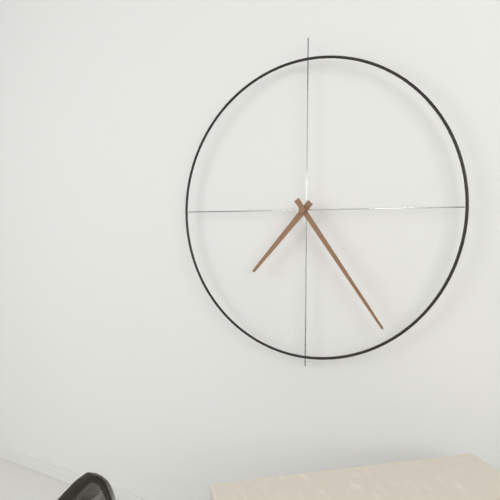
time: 7:24
